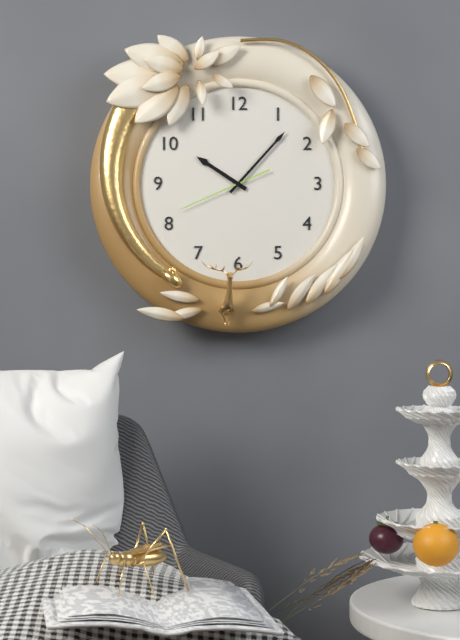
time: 10:07:41
